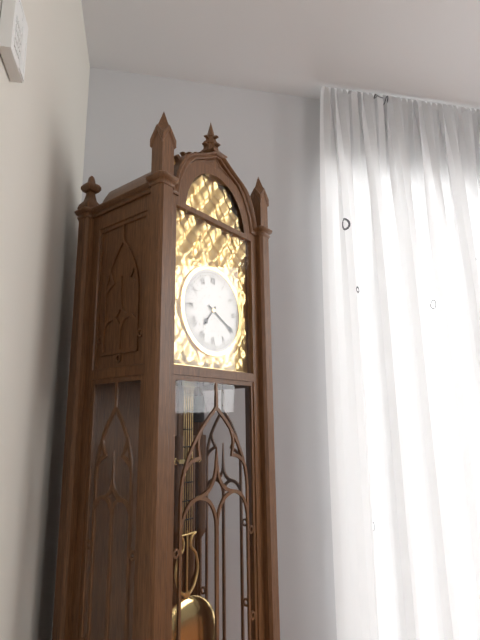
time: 7:20
